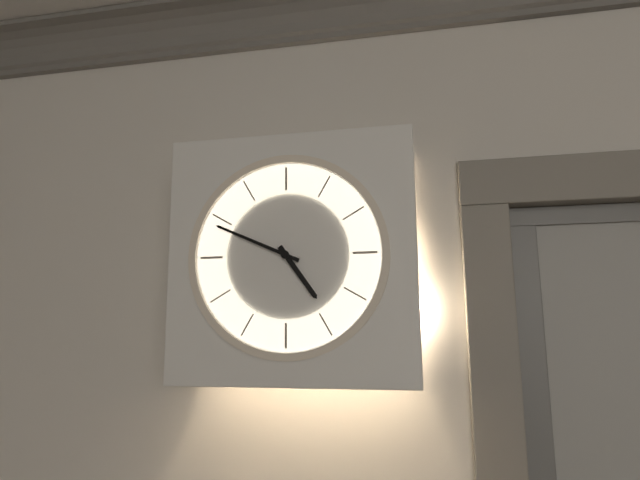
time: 4:49
